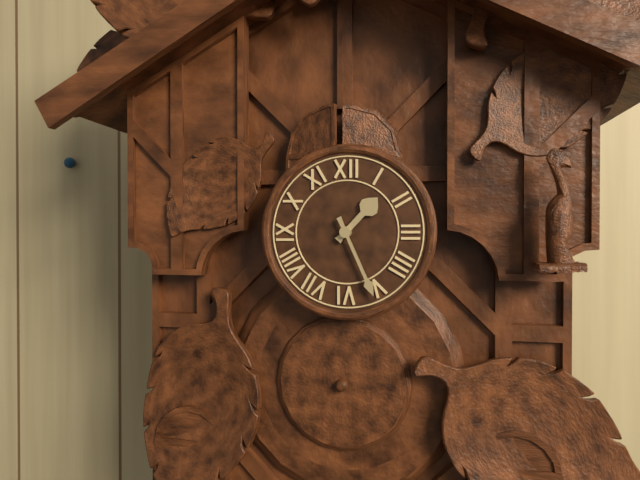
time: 1:26
